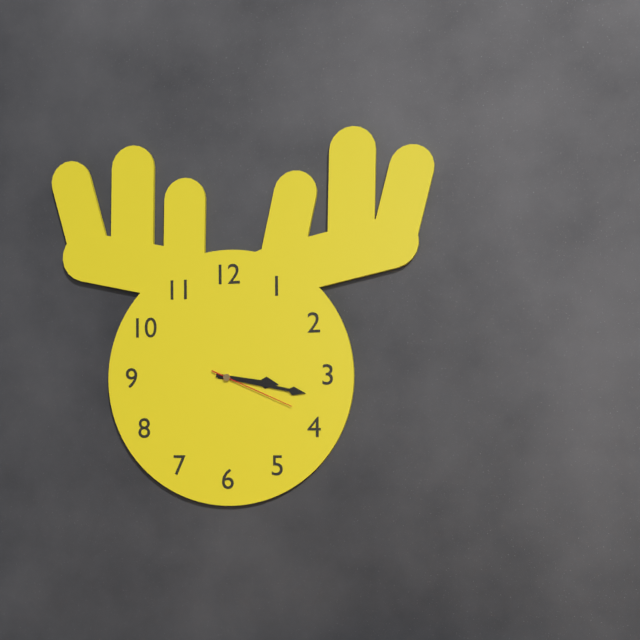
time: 3:17:19
